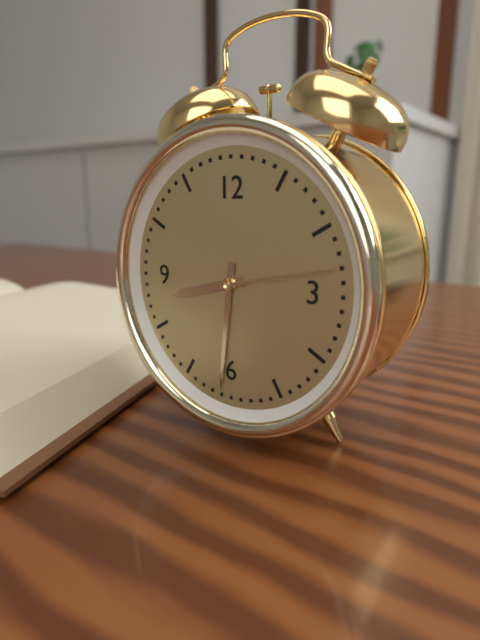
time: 8:31:13
